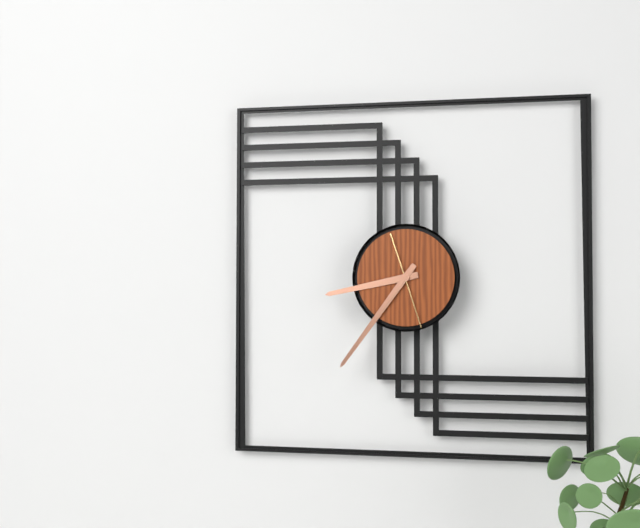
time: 8:36:27
